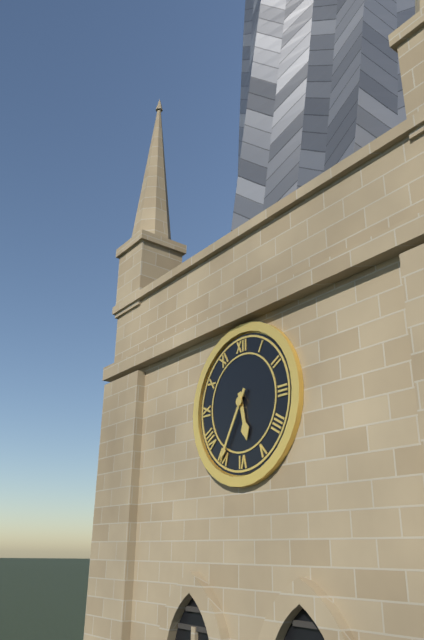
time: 5:35
